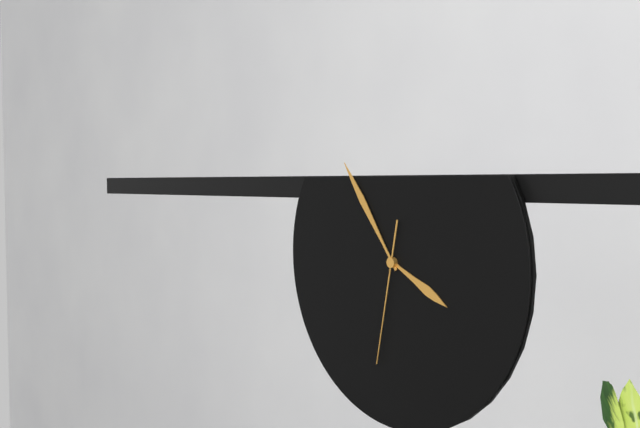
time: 3:54:32
